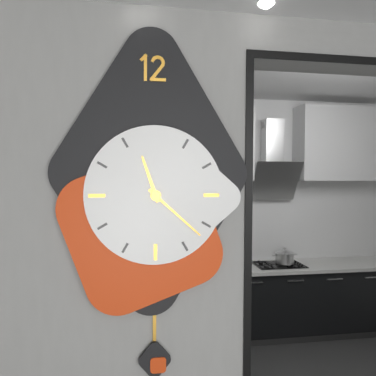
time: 11:22
